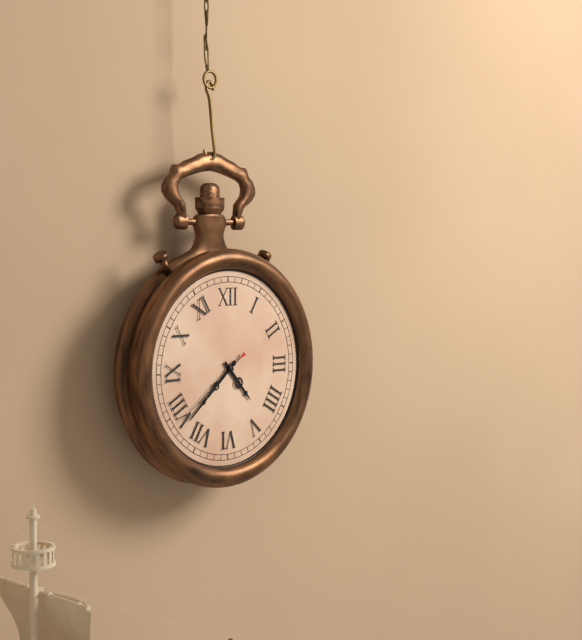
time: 4:38:39
